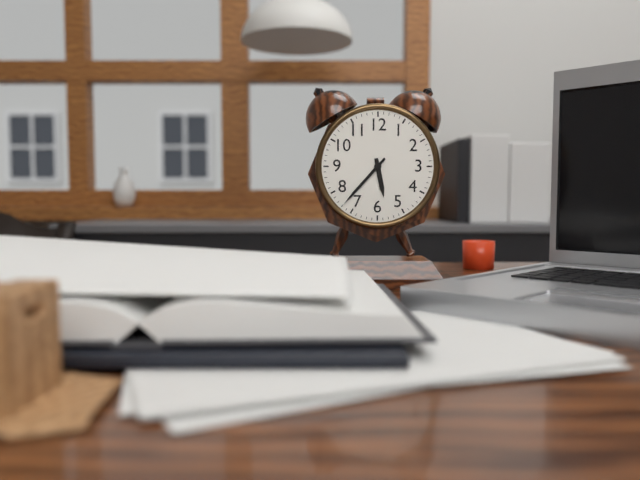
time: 5:37
